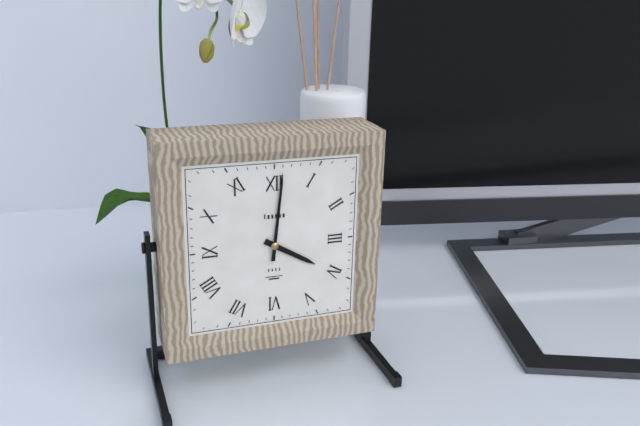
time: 4:01
